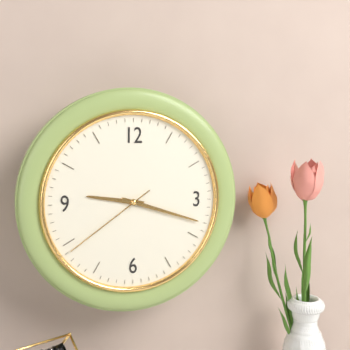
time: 9:18:39
